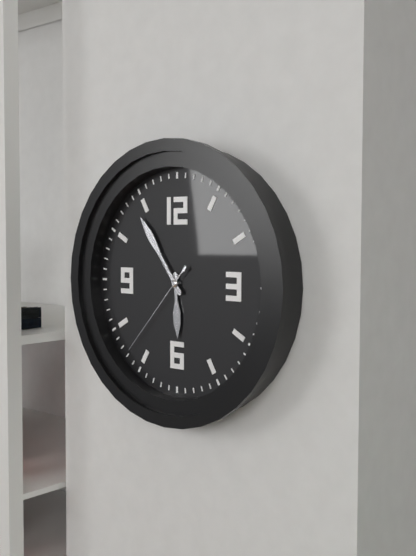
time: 5:54:37
